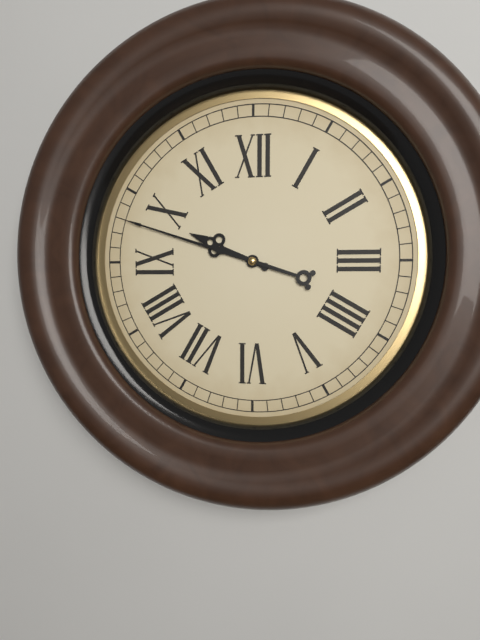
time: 9:48
